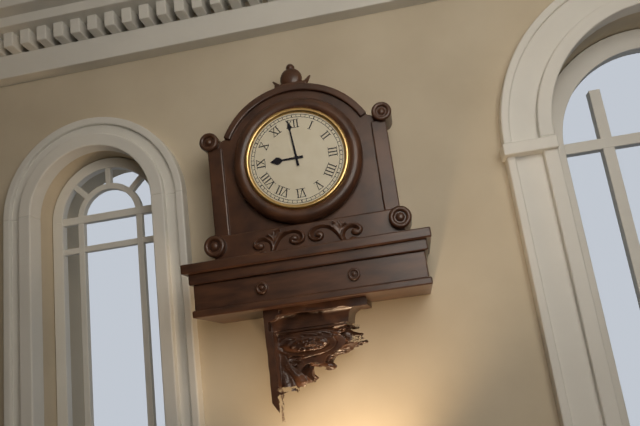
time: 8:59
